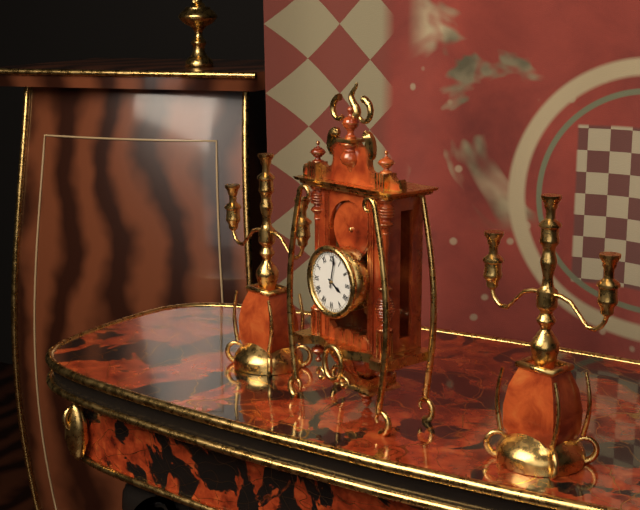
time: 4:02
